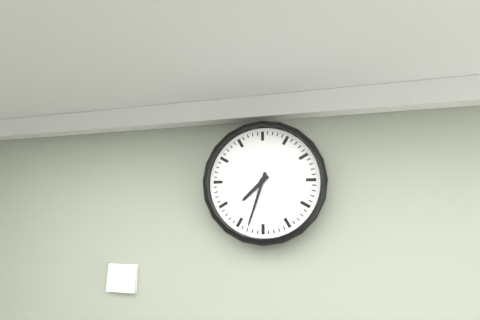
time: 7:33
